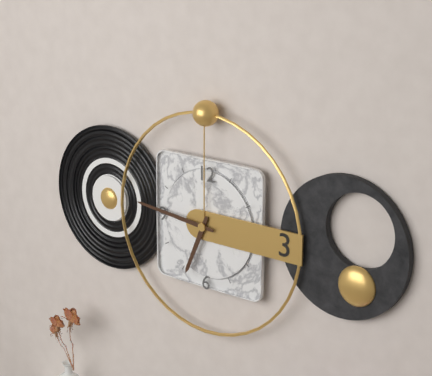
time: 6:46
